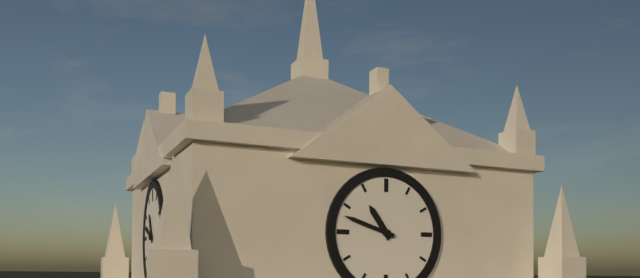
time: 10:48
